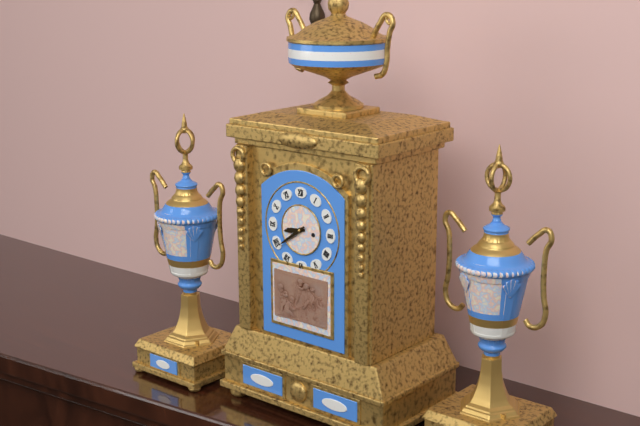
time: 8:39
